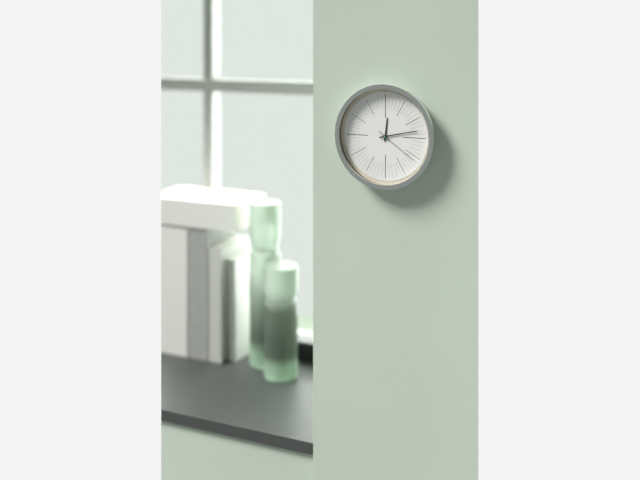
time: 12:13
